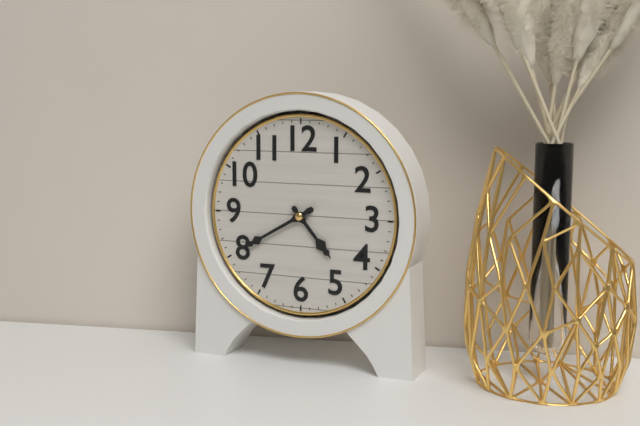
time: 4:40
